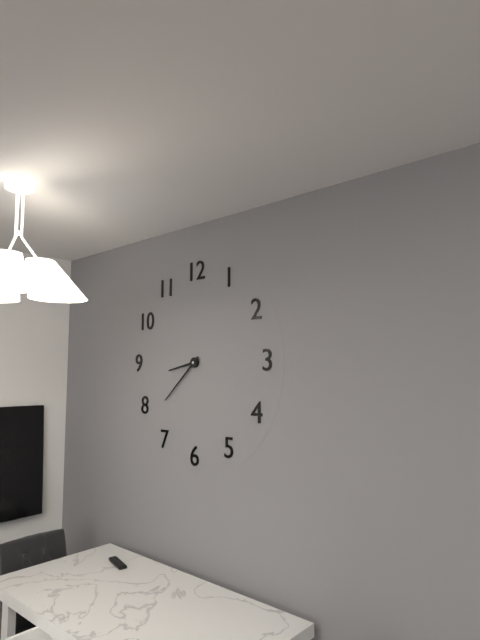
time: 8:38
